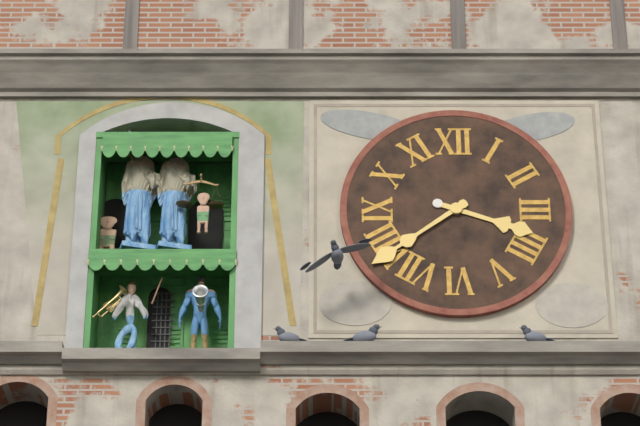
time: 3:39
